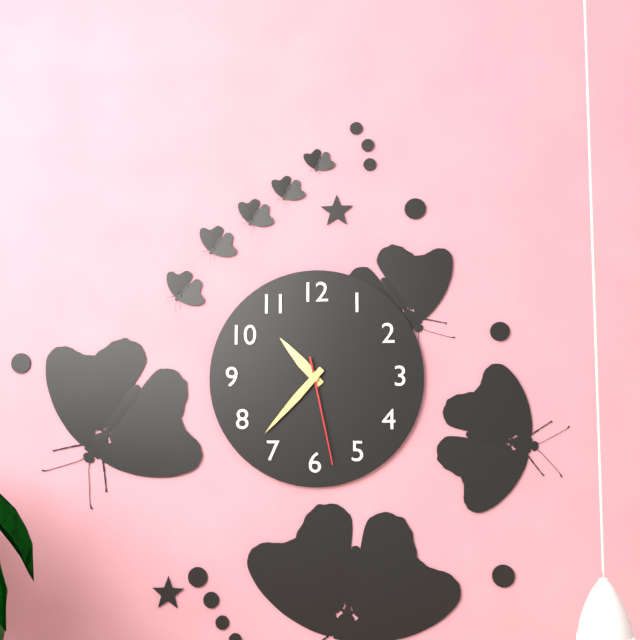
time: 10:37:28
